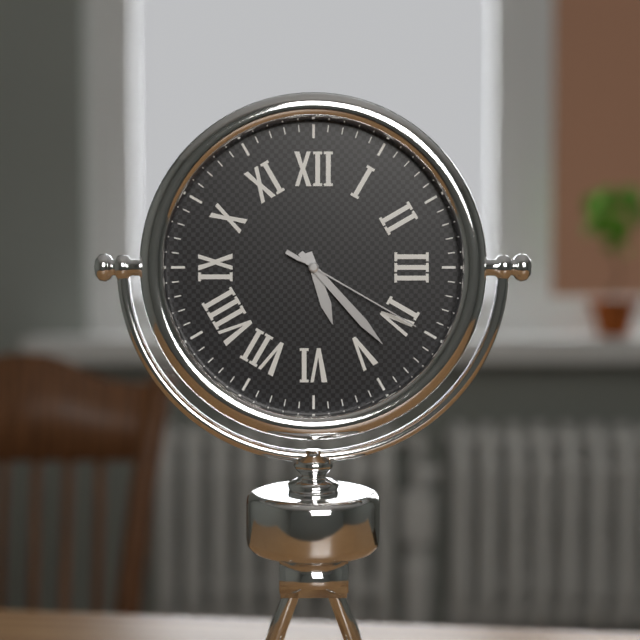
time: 5:23:20
